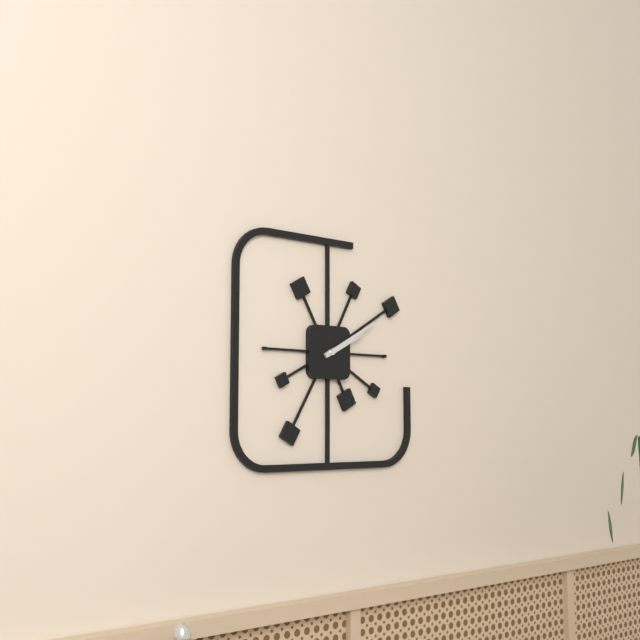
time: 2:10
